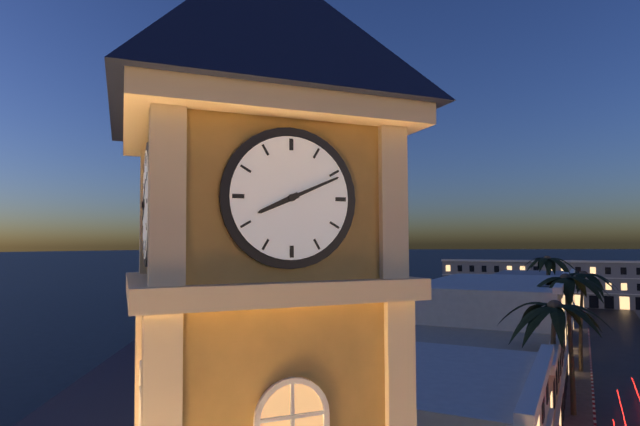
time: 8:11
